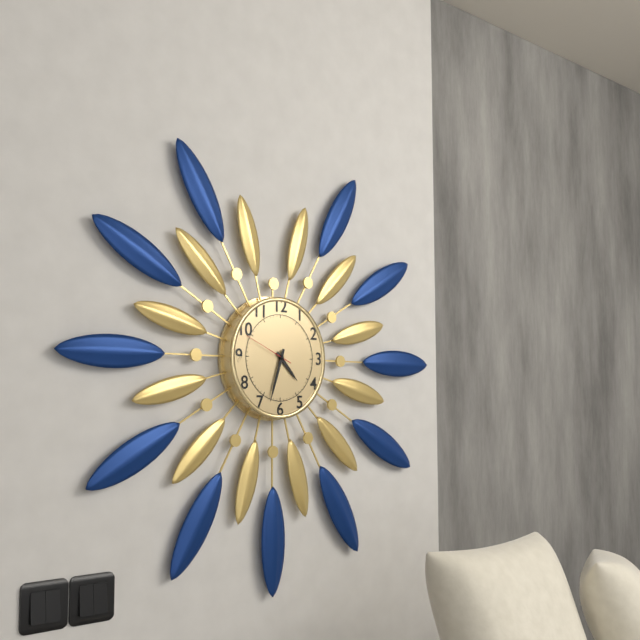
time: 4:33:49
